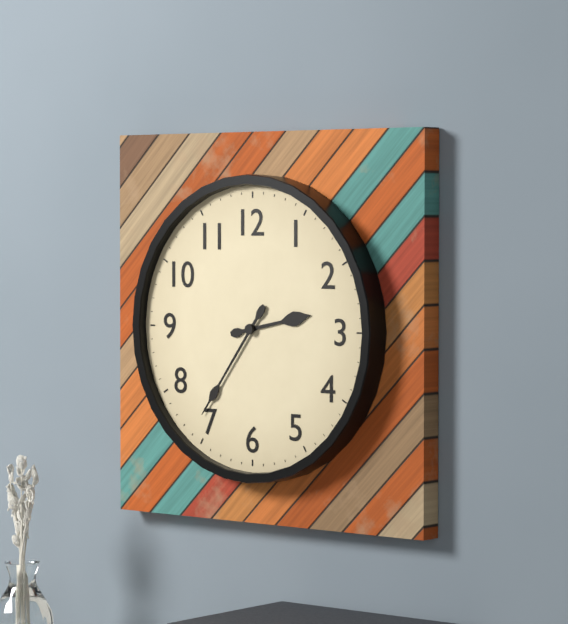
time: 2:36
